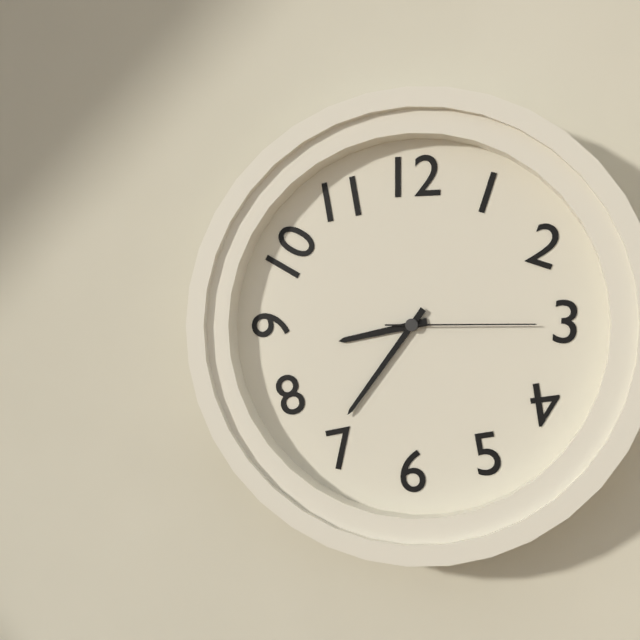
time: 8:36:15
